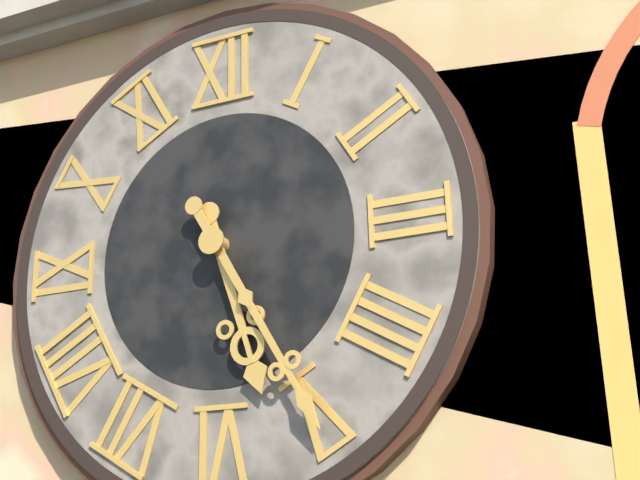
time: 5:25
